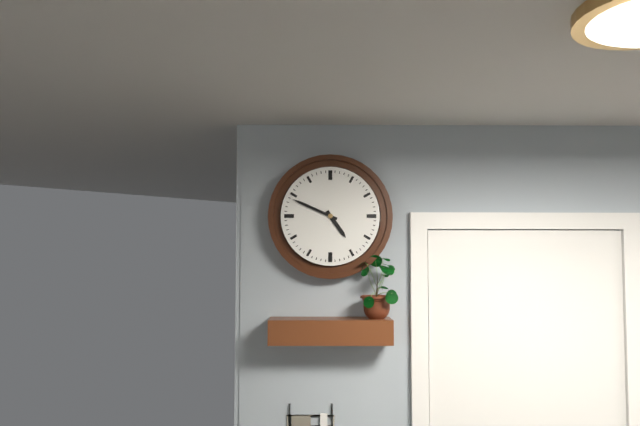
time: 4:49
